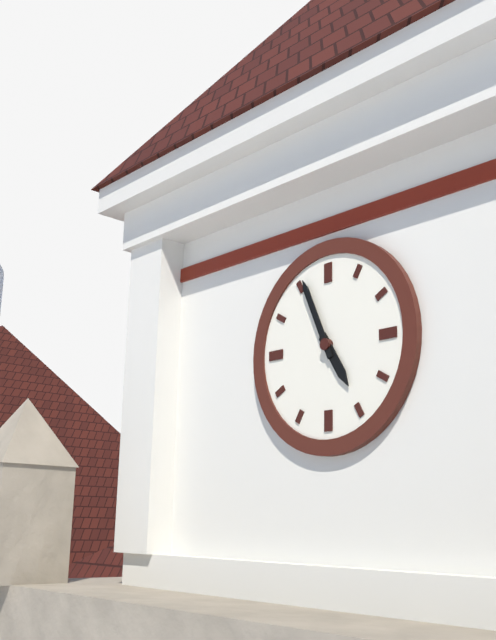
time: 4:56
